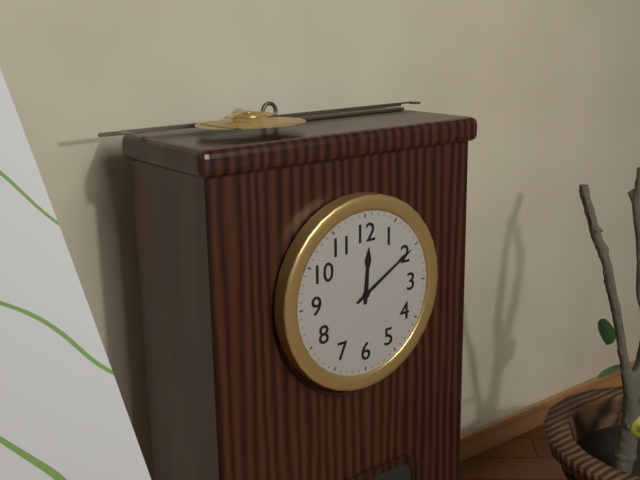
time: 12:10
